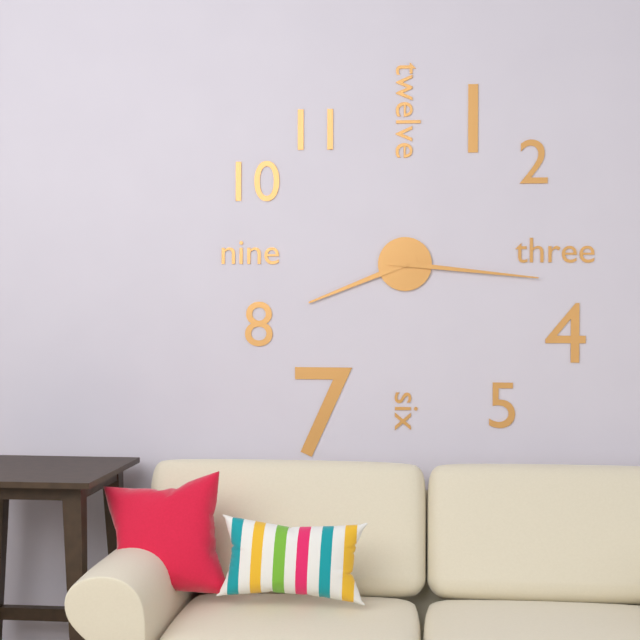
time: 8:16
